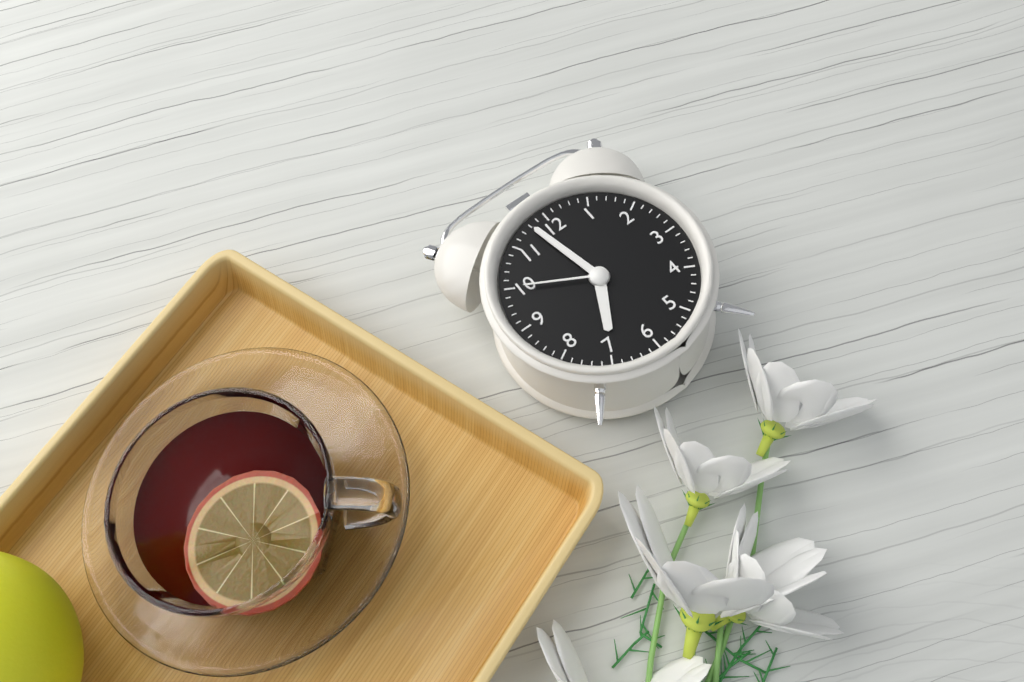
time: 6:58:50
